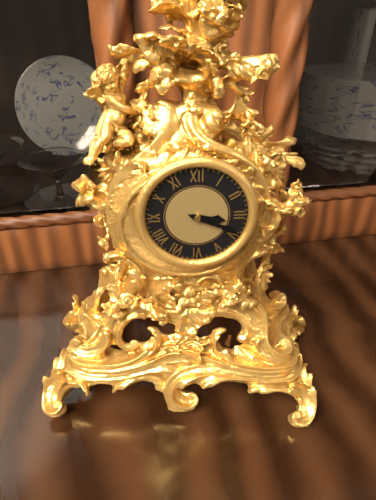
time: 3:19
